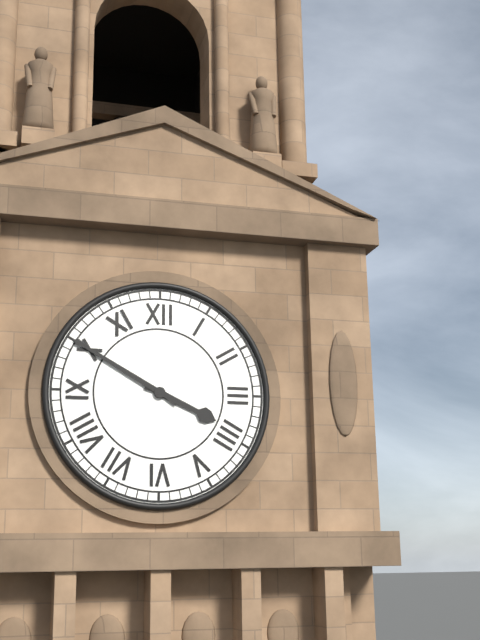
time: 3:50
